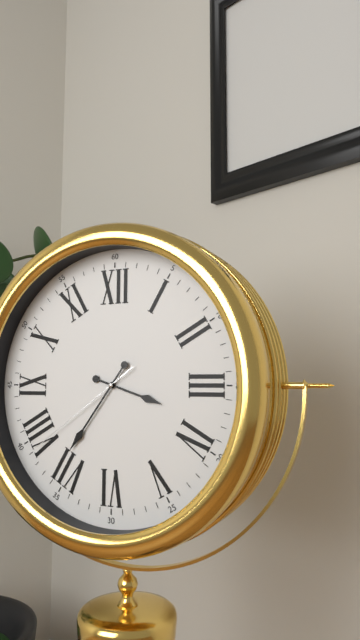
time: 3:36:39
